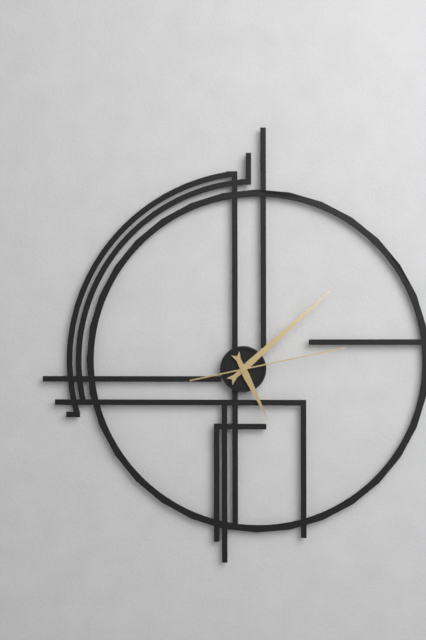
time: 5:08:13
